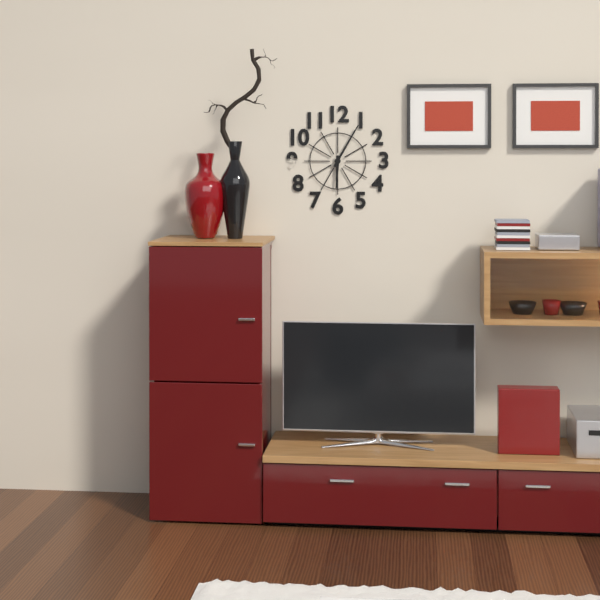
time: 6:05
